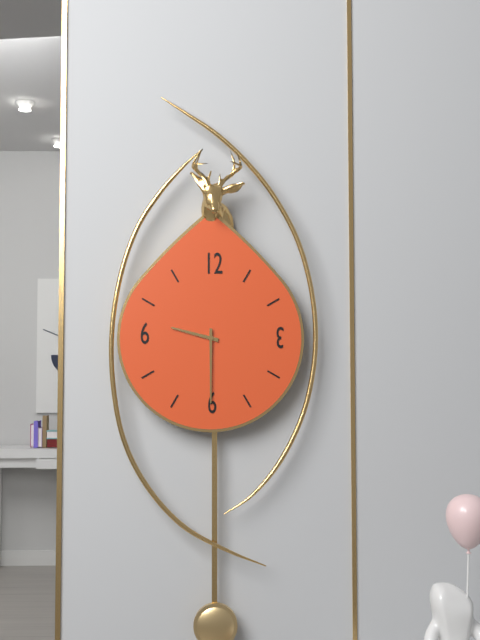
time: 9:30
